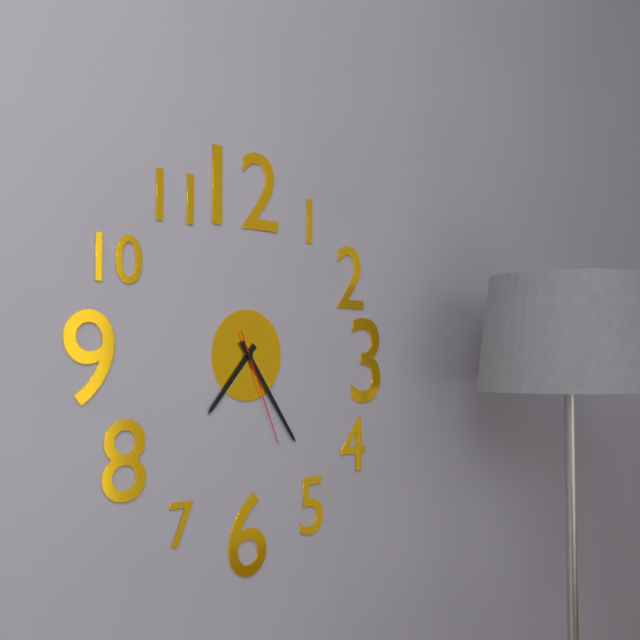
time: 7:24:26
